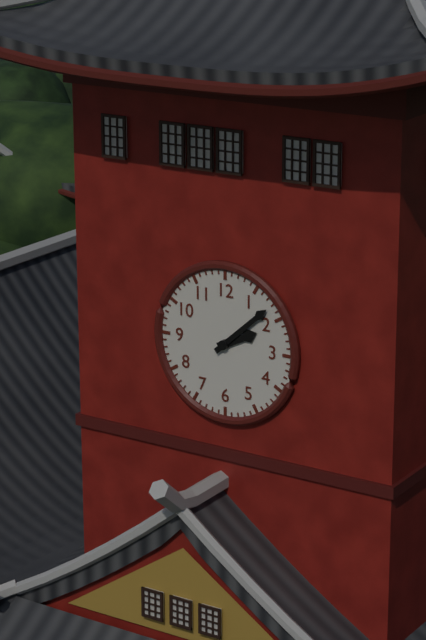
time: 2:08
